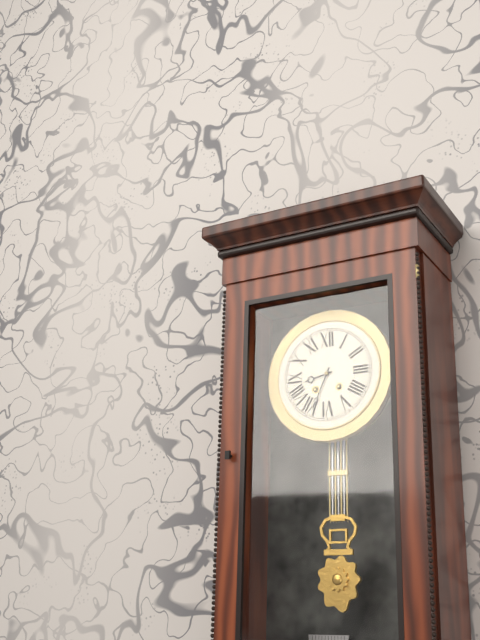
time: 8:34
